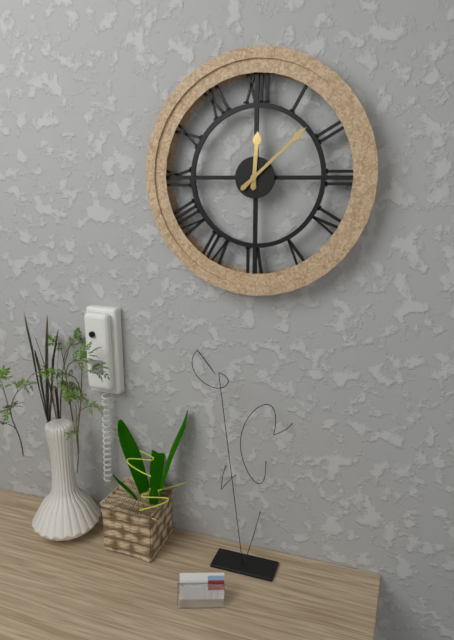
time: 12:08
